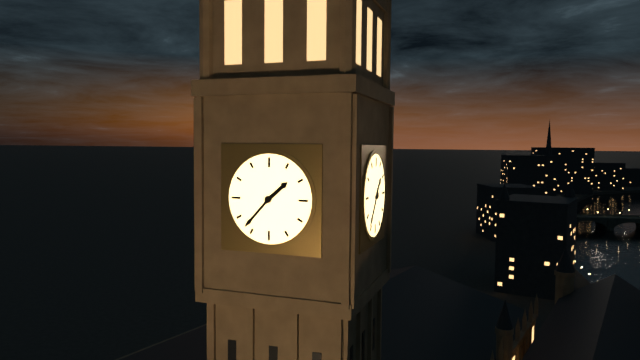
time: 1:37
